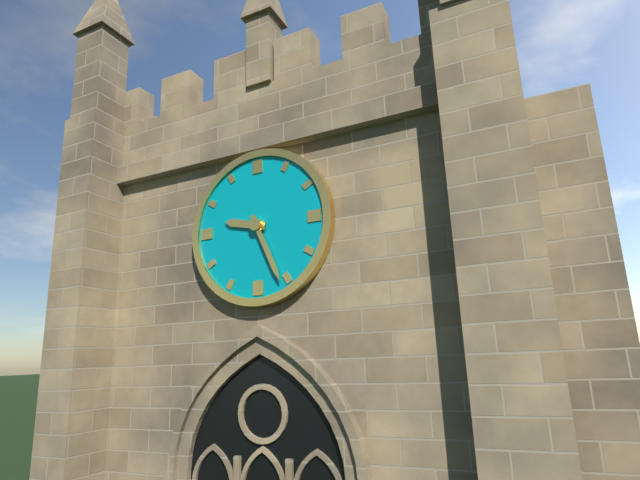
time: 9:26
